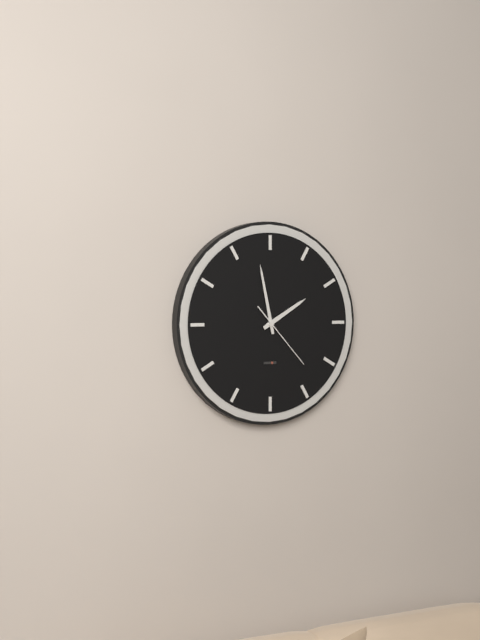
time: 1:58:23
